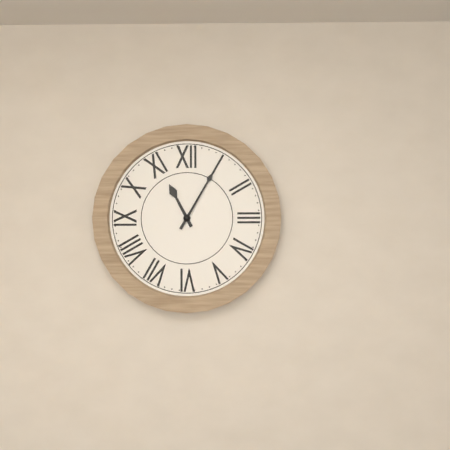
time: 11:05
